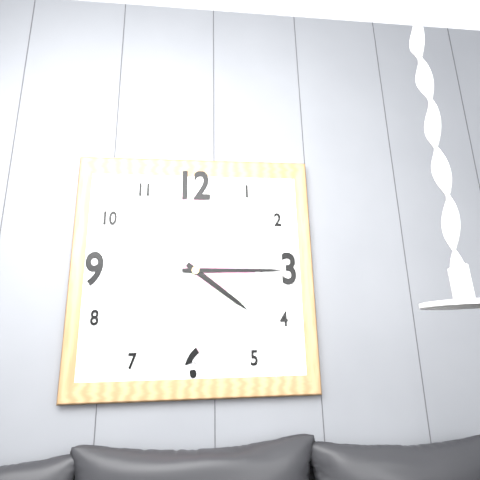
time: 4:15
